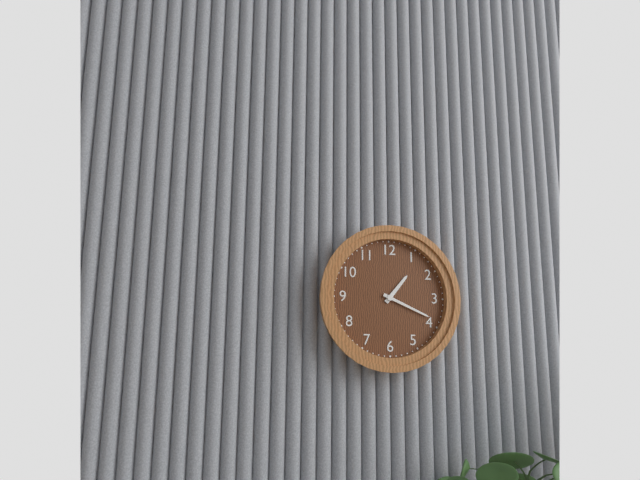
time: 1:19
